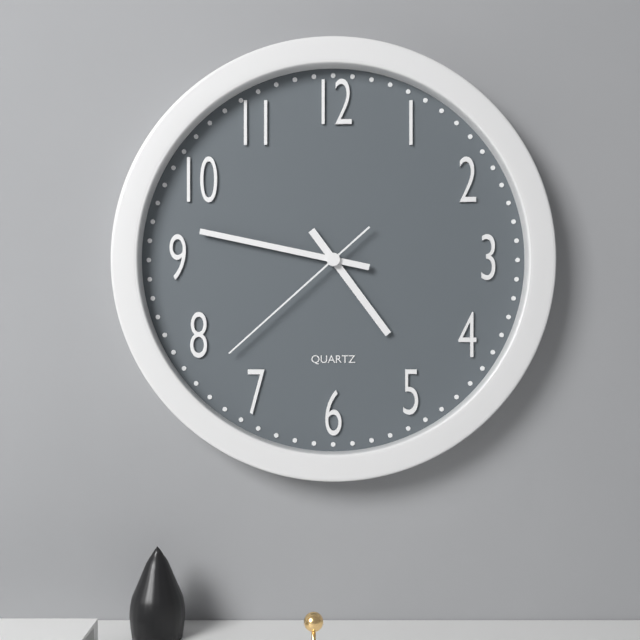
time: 4:47:38
